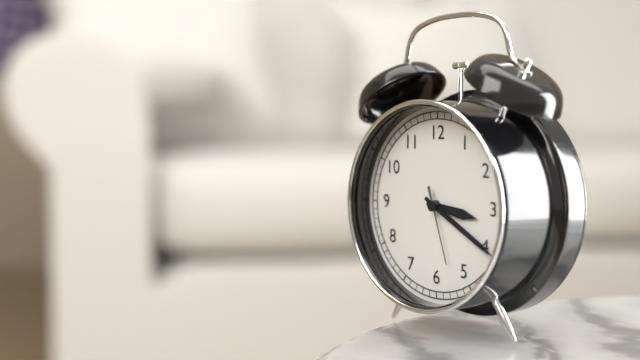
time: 3:20:27
